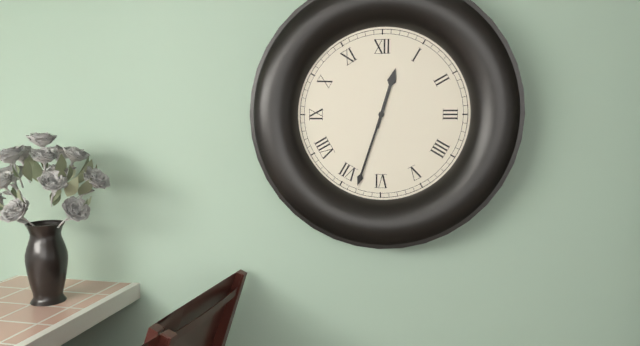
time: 12:33
